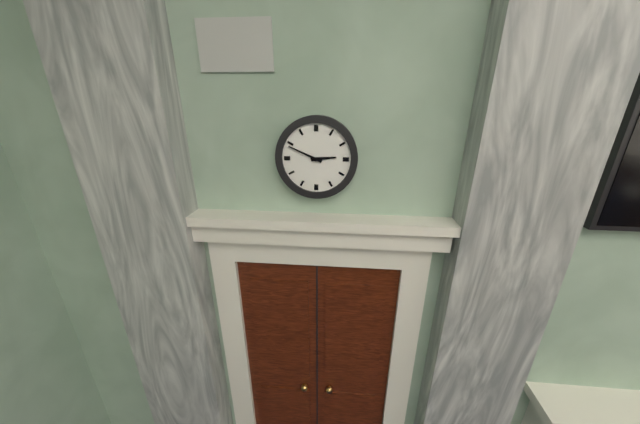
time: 2:49
